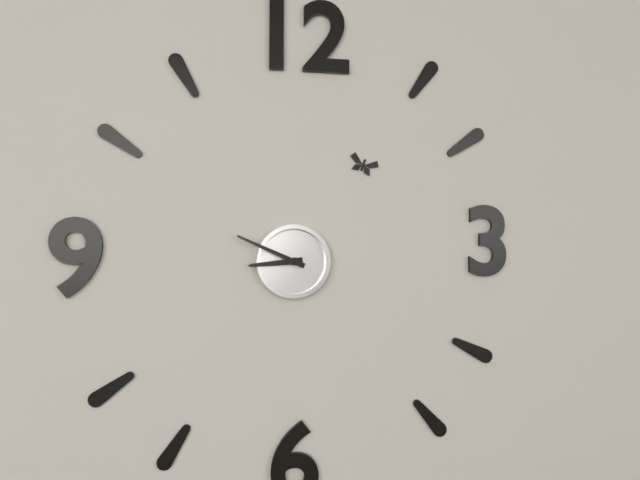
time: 8:49
